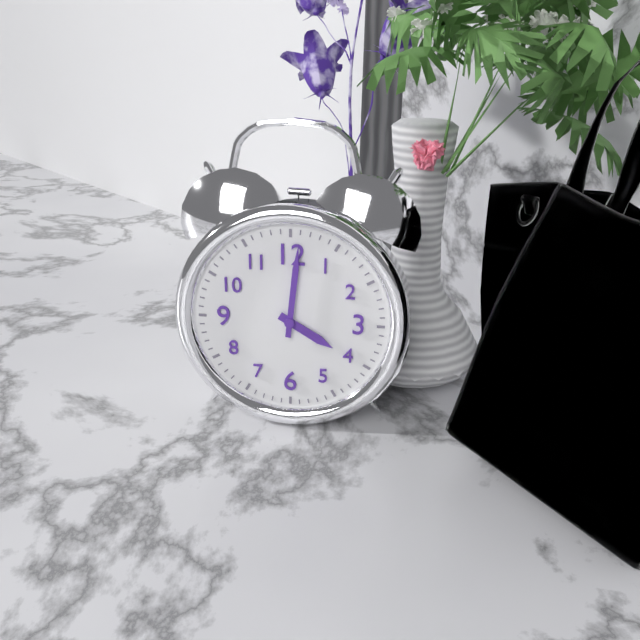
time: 4:01
